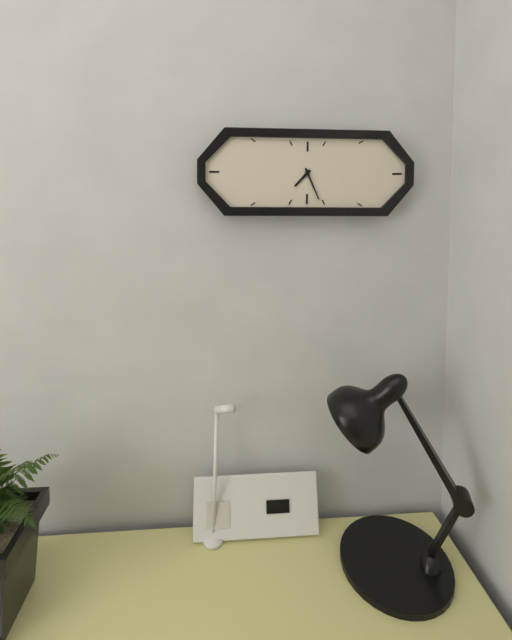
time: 7:26
